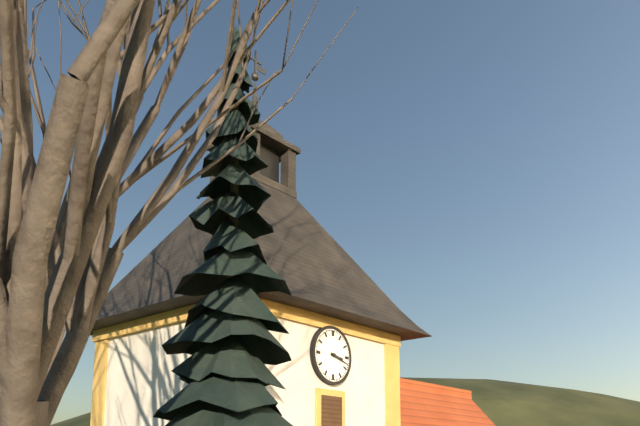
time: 3:18
